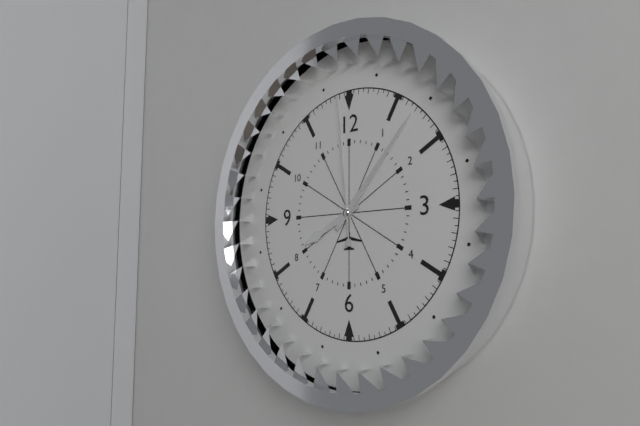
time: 8:07:59
